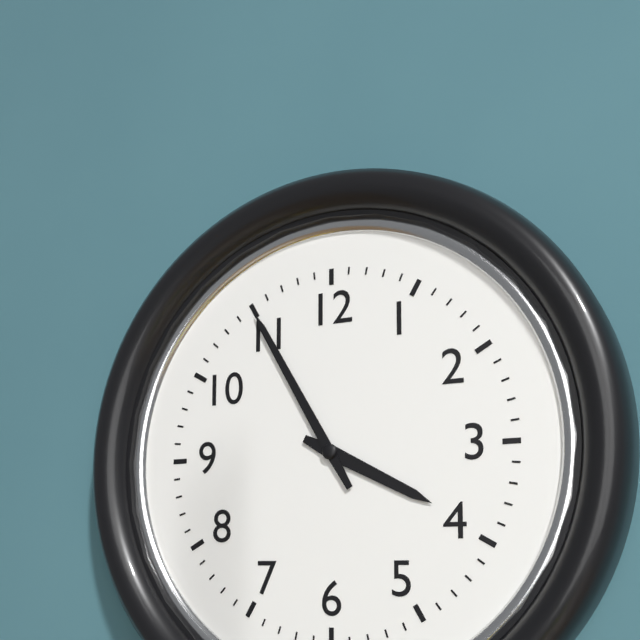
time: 3:55
